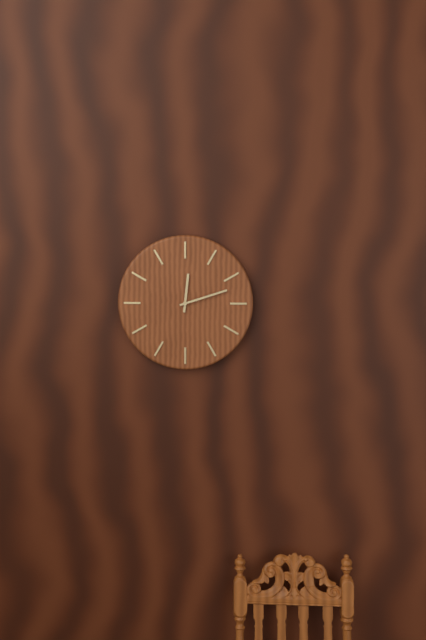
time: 12:12
